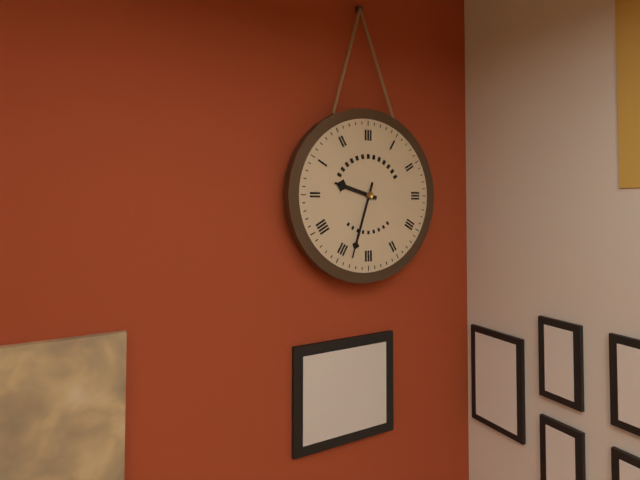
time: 9:33
